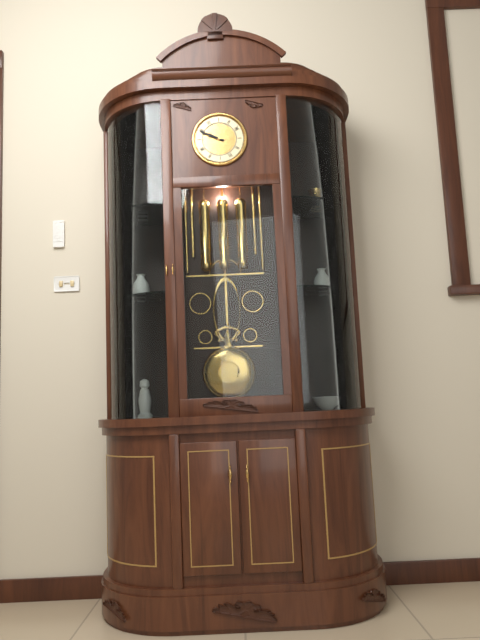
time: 9:49
